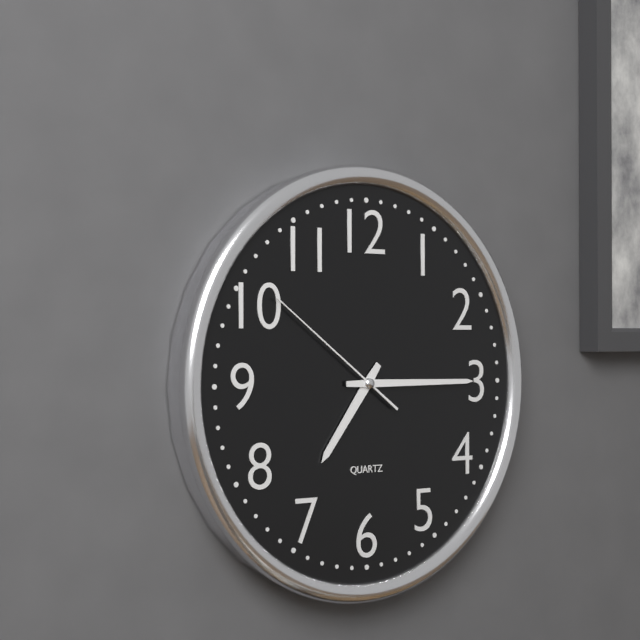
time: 7:15:51
